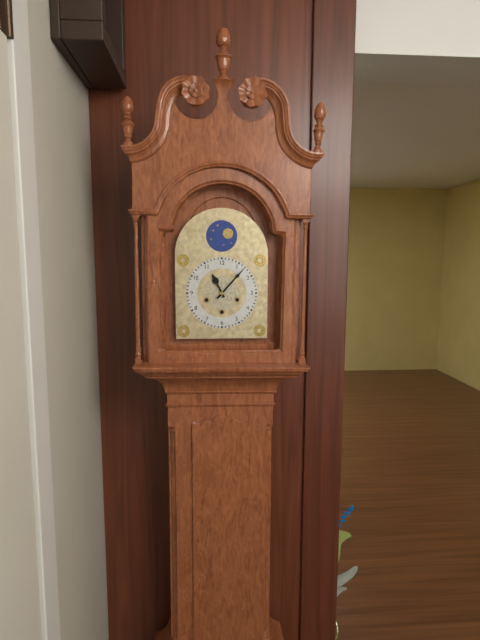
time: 11:07
